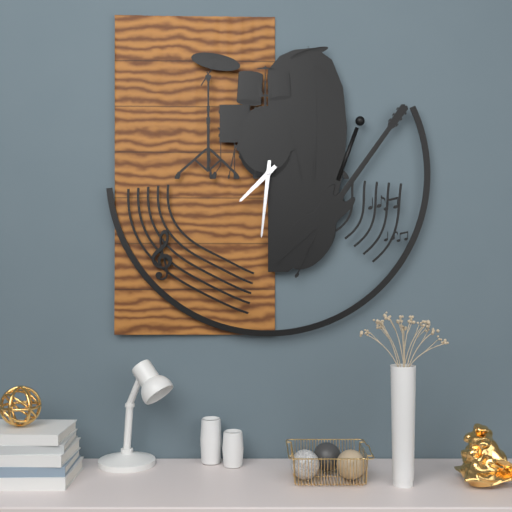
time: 7:31
